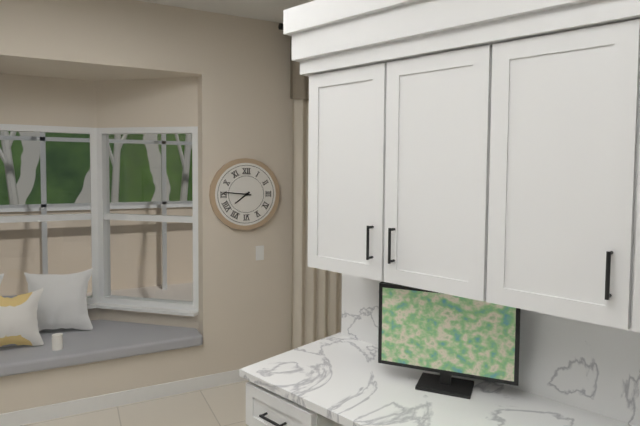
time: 7:46
